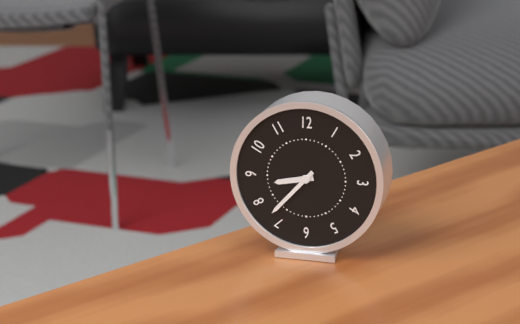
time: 8:37
